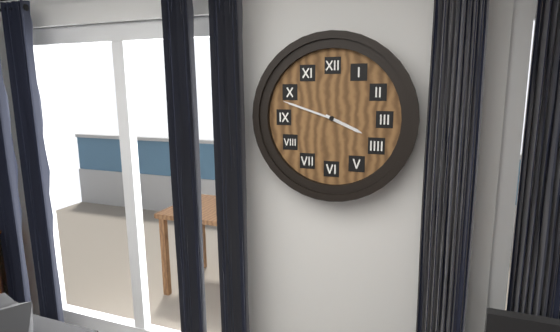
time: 3:48
